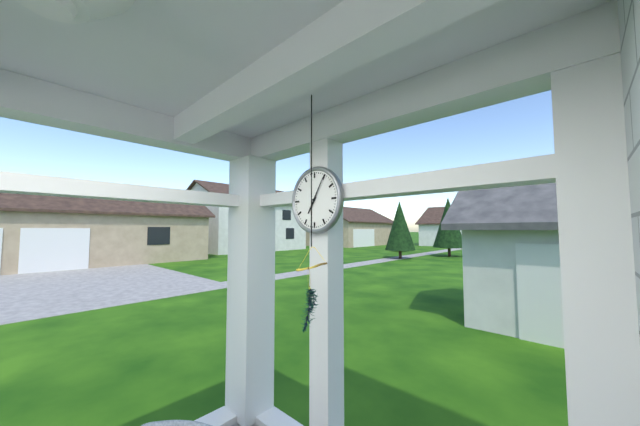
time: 7:05
